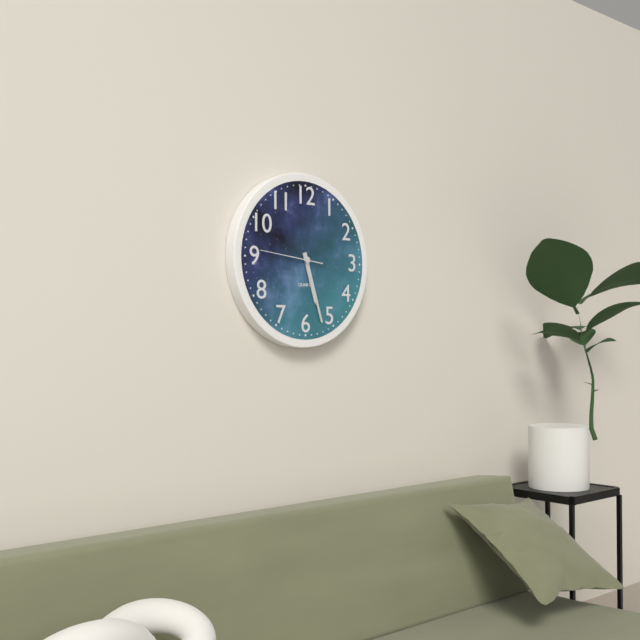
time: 5:27:46
